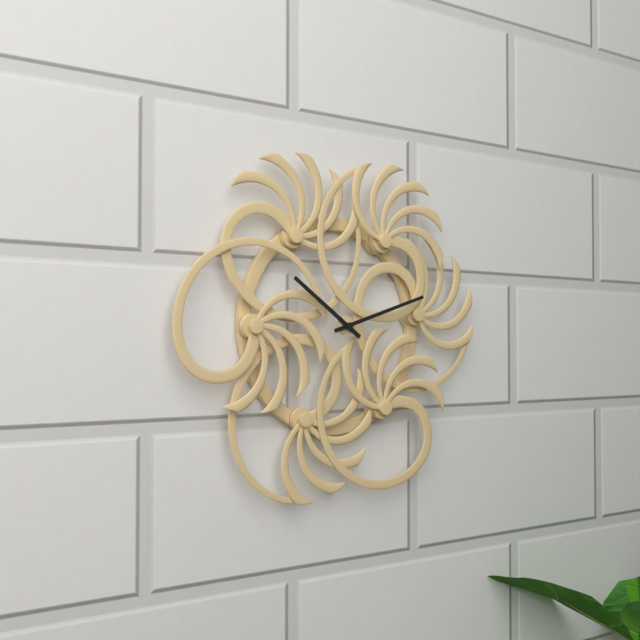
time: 10:12
